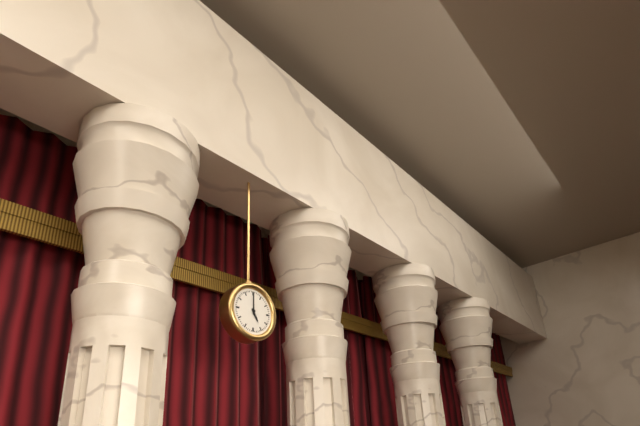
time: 5:00
